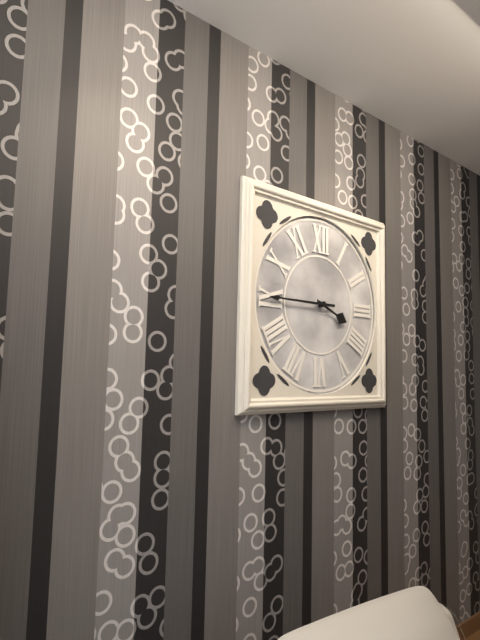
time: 3:45
